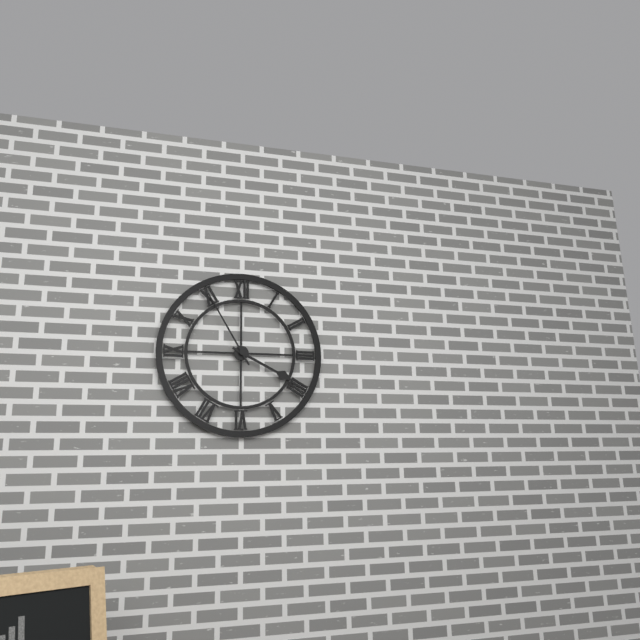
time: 3:55
